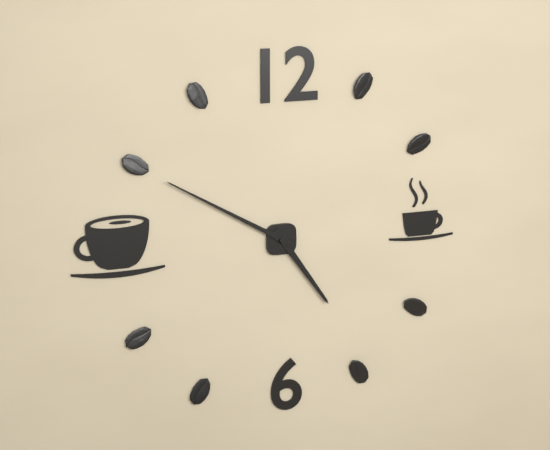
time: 4:50
